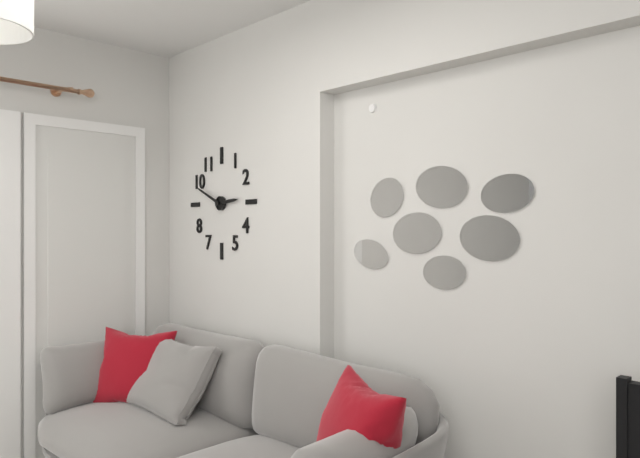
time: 2:49
